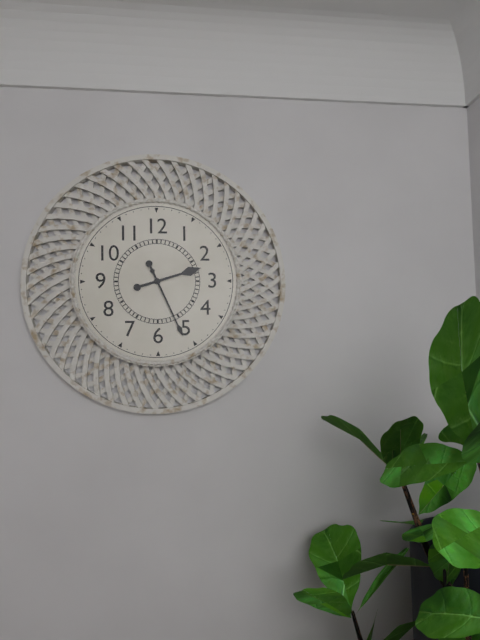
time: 2:26
